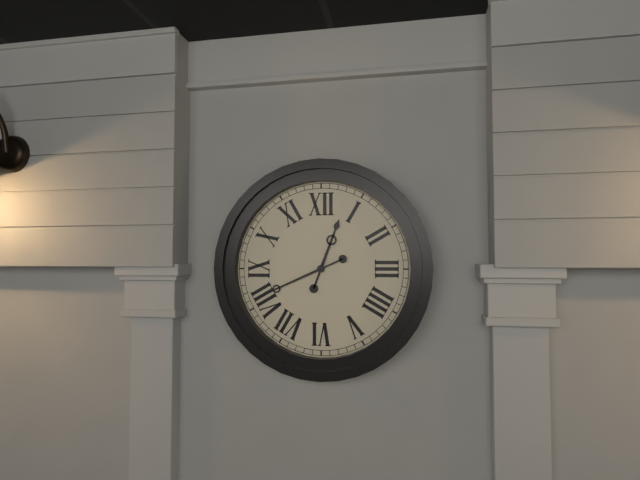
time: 12:41
